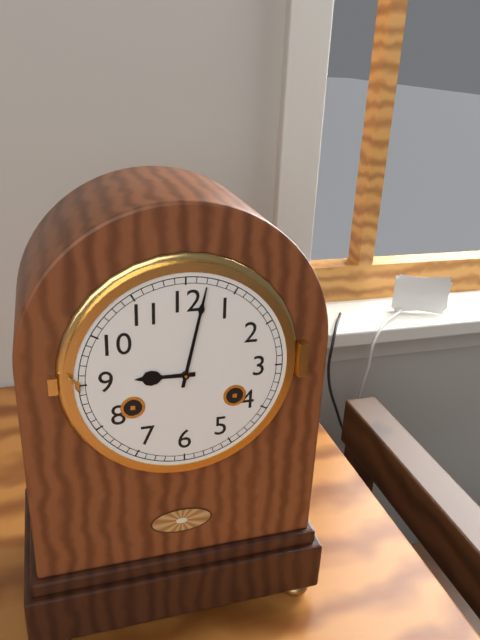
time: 9:02
